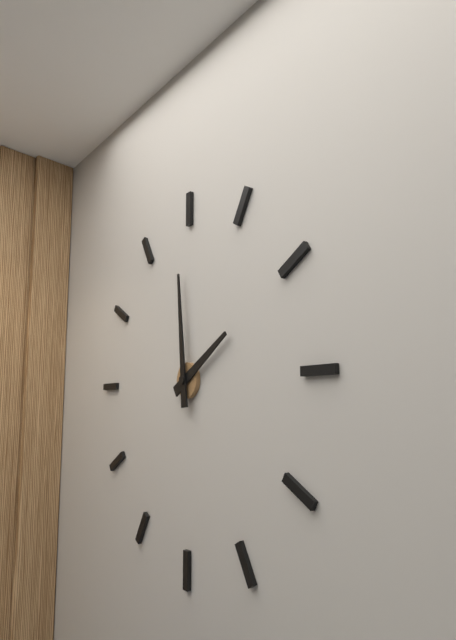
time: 1:59
